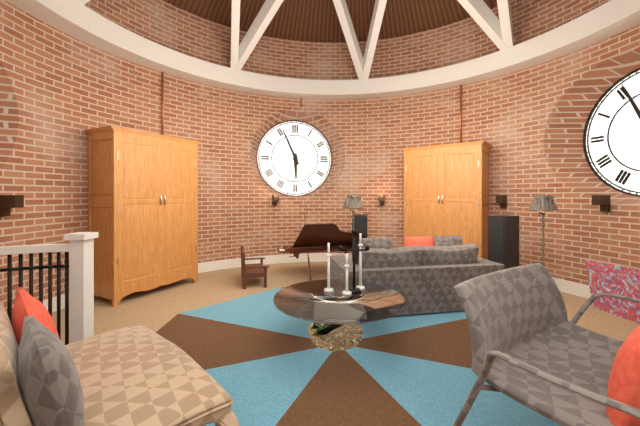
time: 5:56
